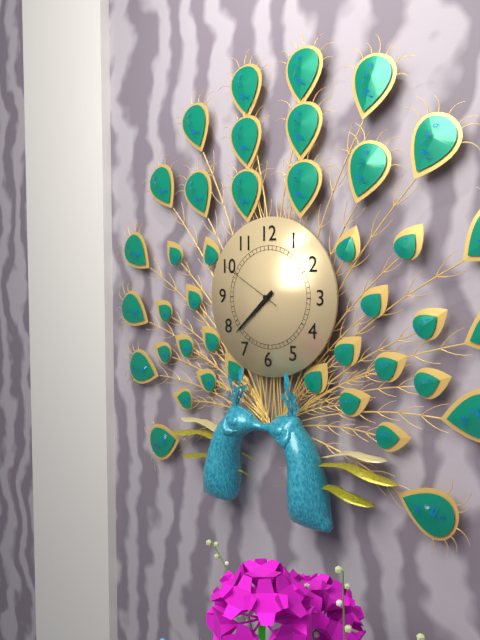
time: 7:38:50
